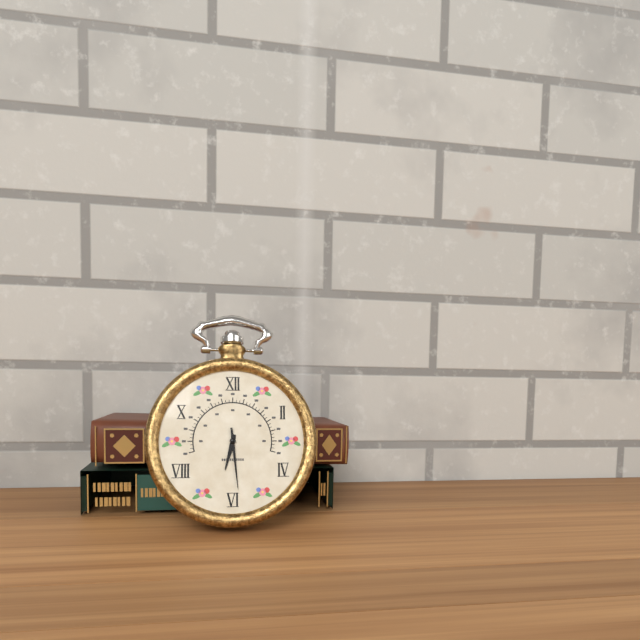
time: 6:29
